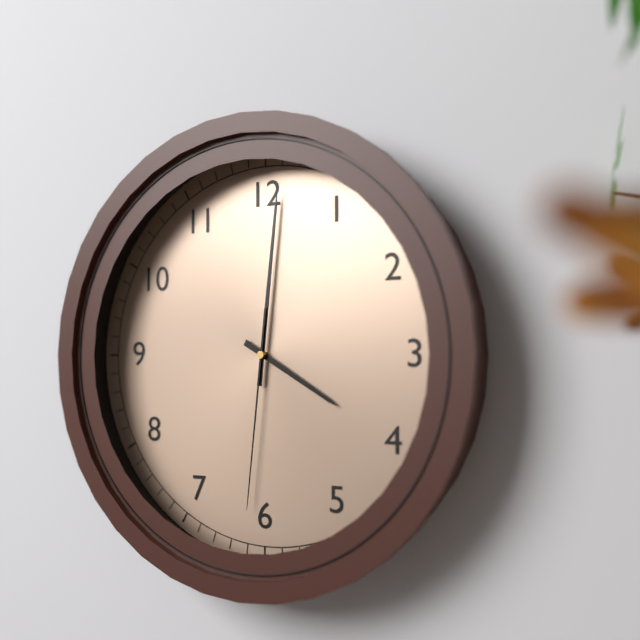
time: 4:01:31
